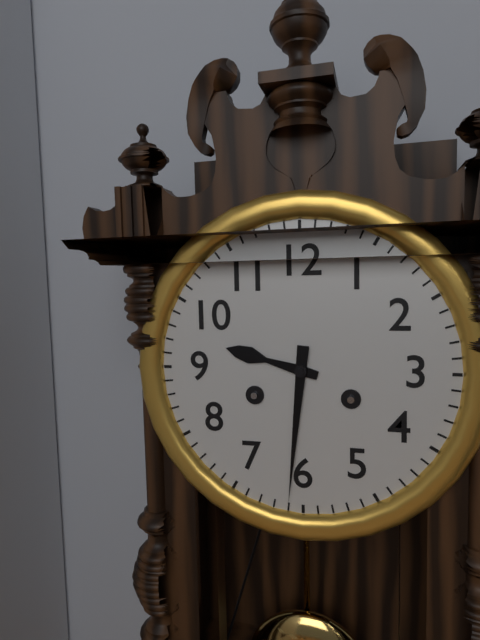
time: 9:31
